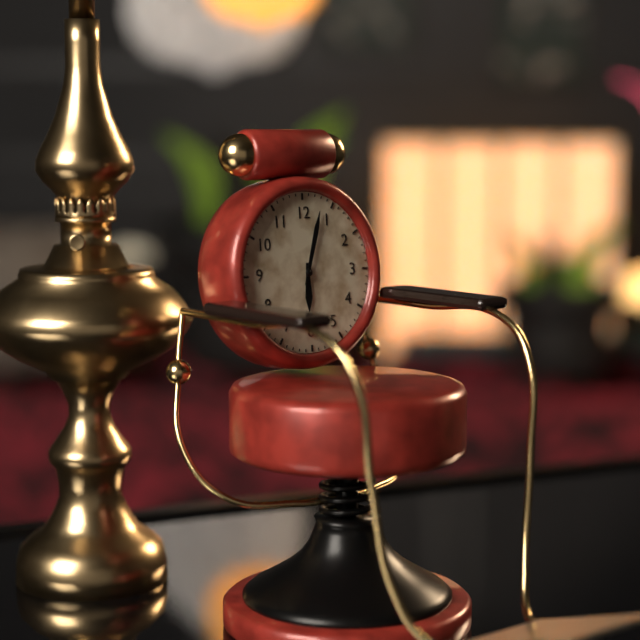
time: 6:03
